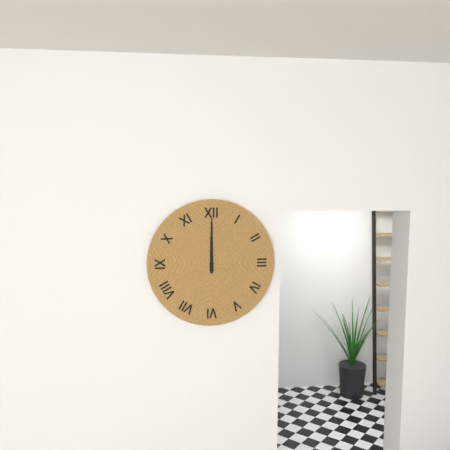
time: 12:00
